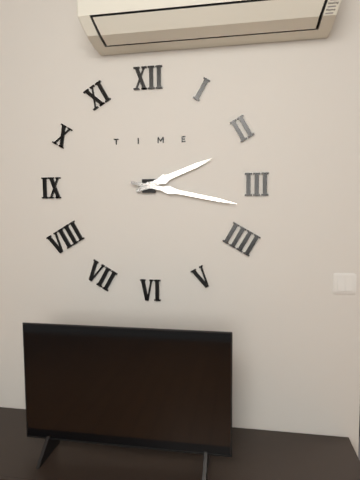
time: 2:17
